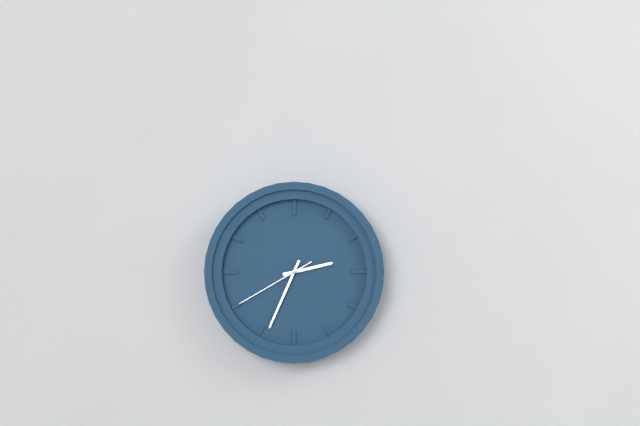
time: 2:34:40
